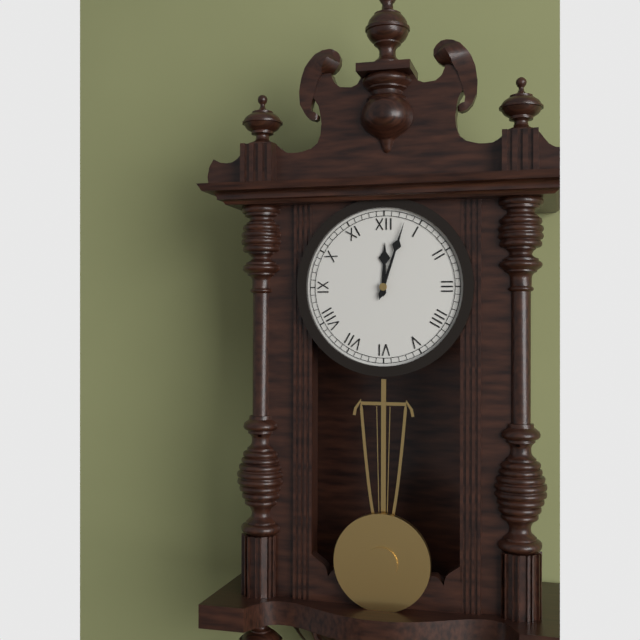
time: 12:03
